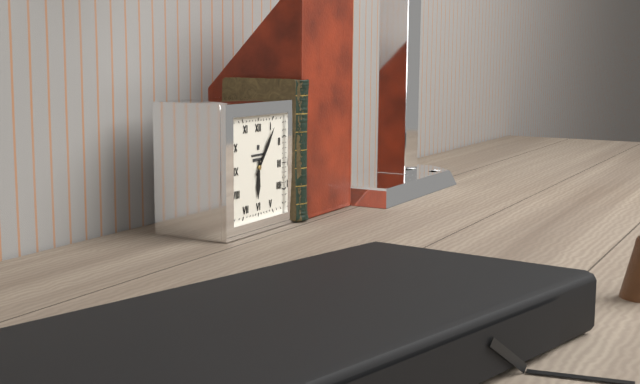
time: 6:06
